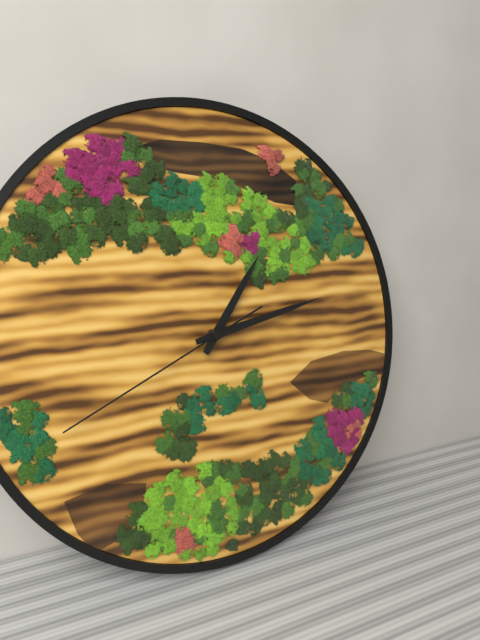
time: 1:13:41
